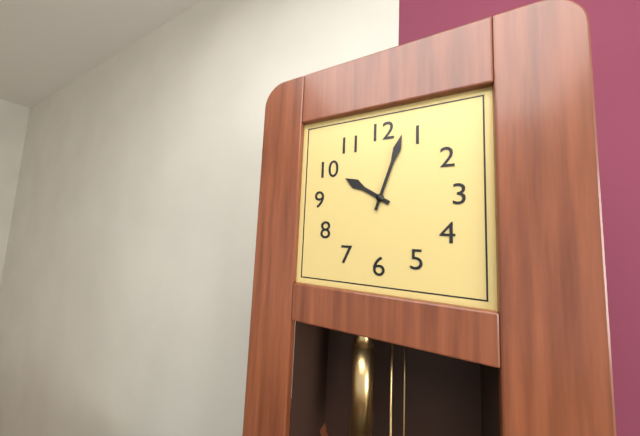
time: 10:03
